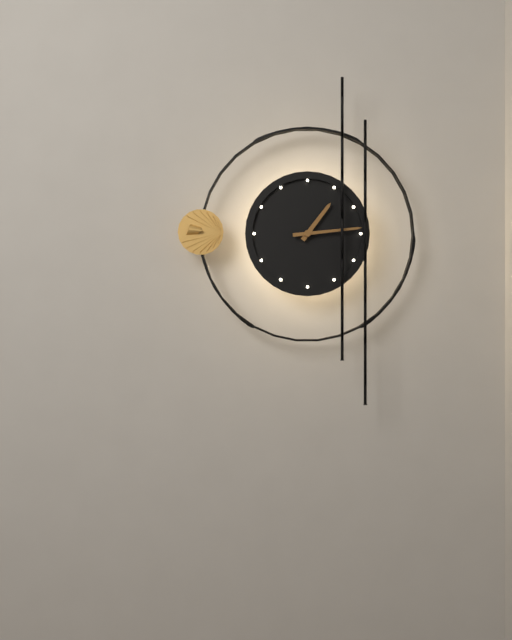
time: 1:14
